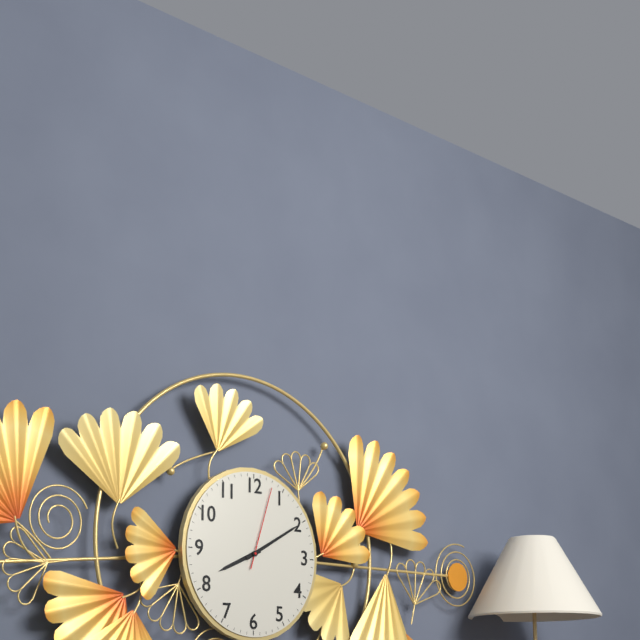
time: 8:10:03
